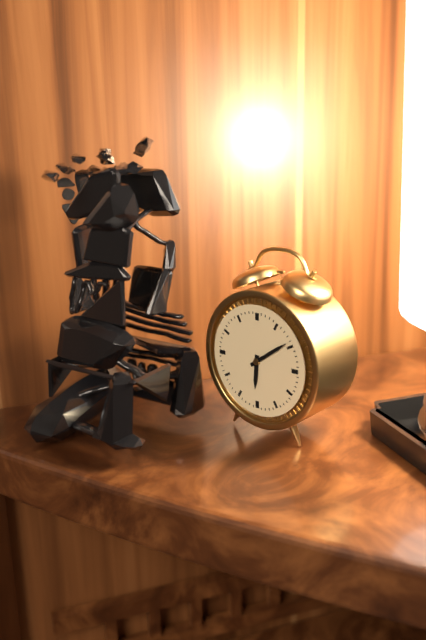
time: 6:09
